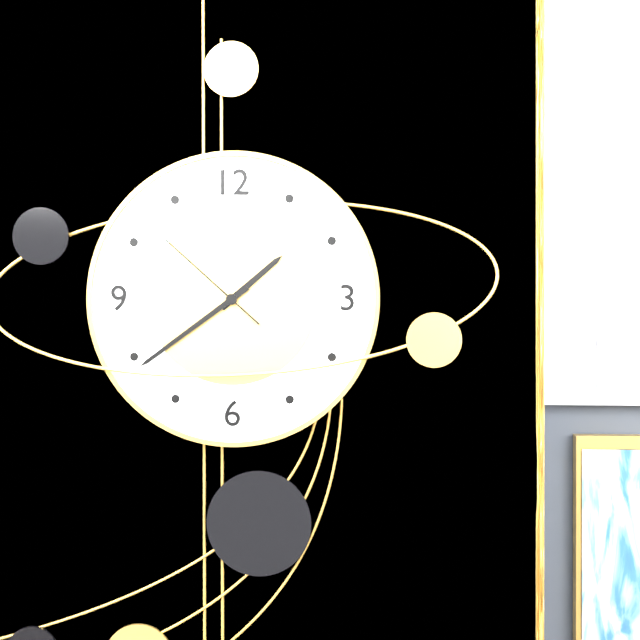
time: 1:39:52
